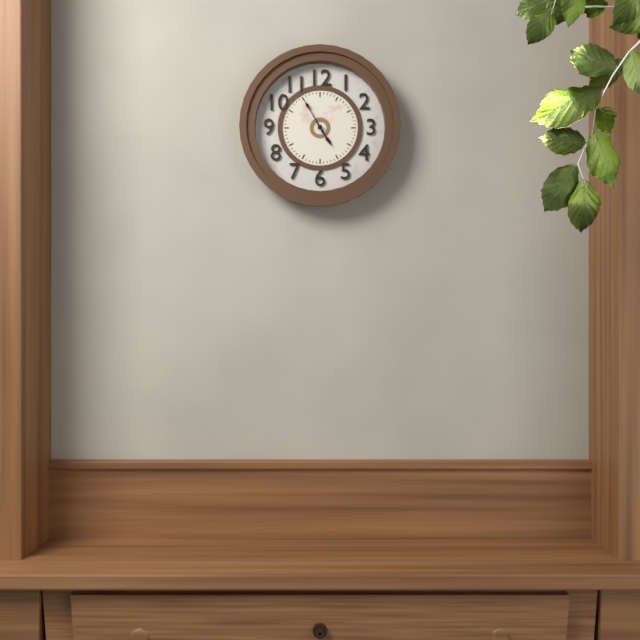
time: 4:55
